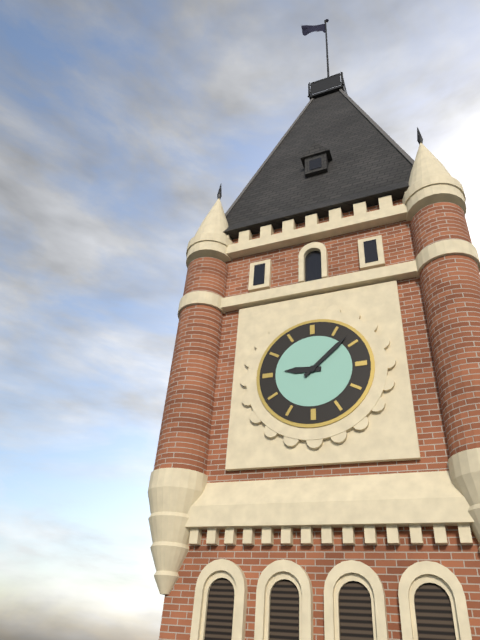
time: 9:08
